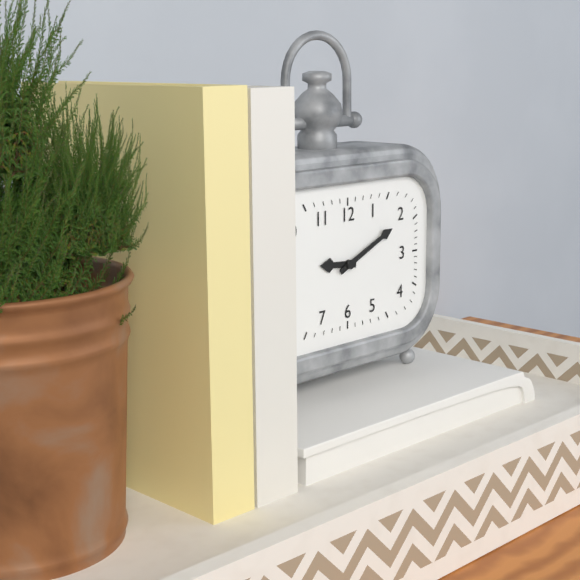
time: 9:11
